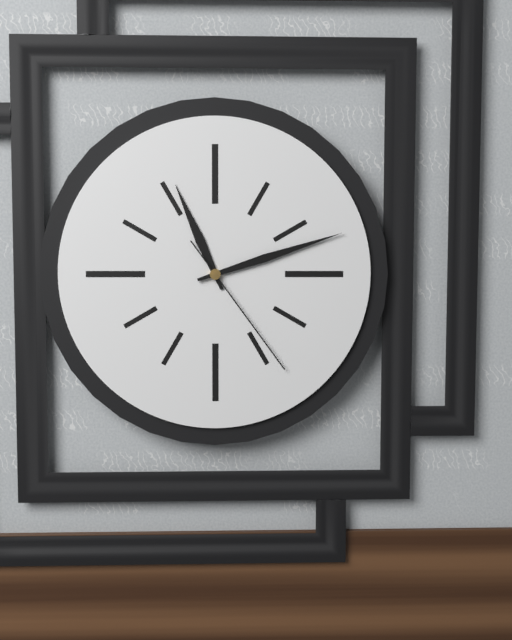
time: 11:12:24
